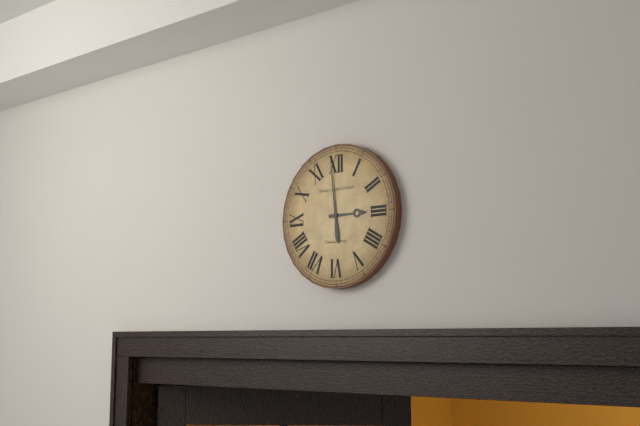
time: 2:59
